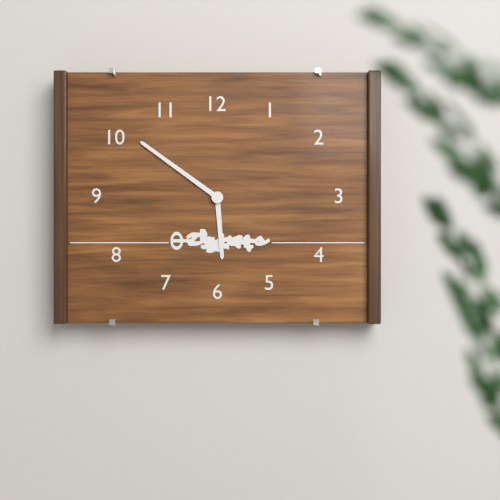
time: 5:51
